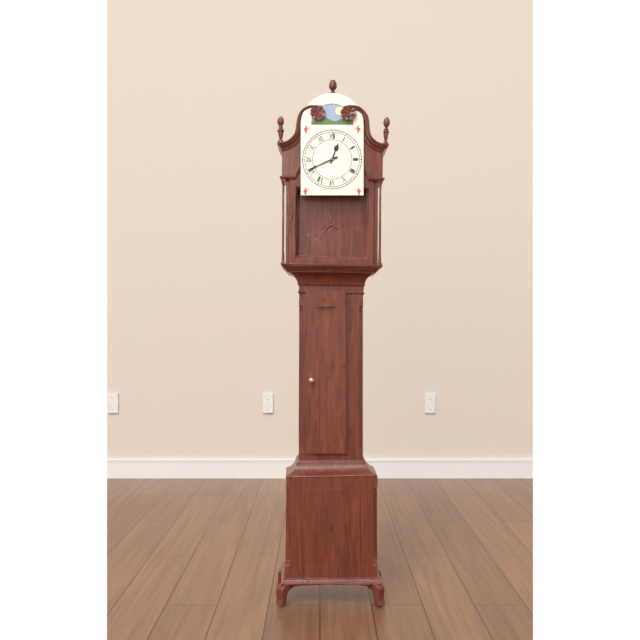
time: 12:41
